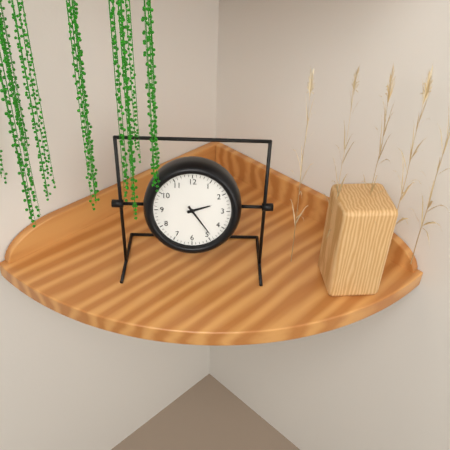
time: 2:24
